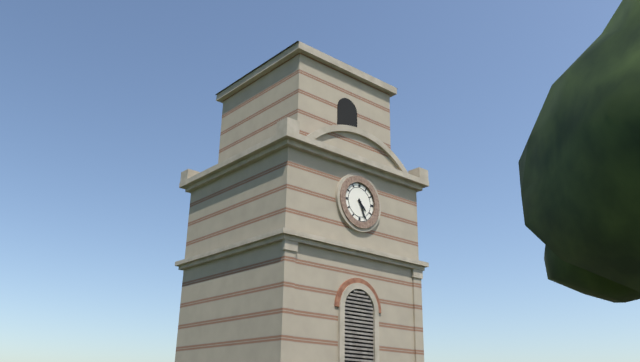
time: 4:26
